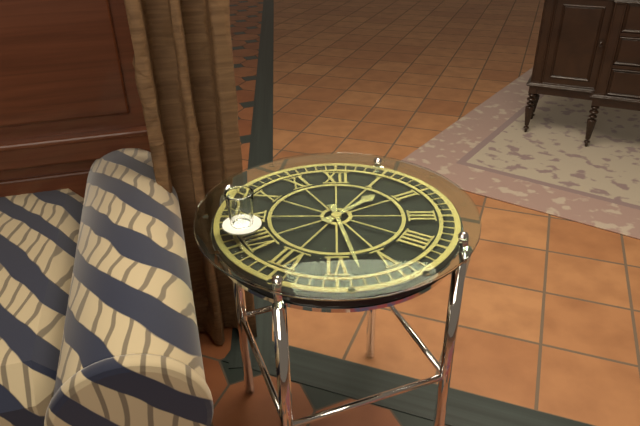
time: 1:28
